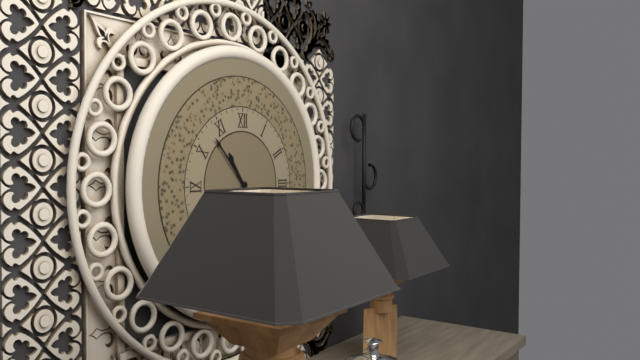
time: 10:53
